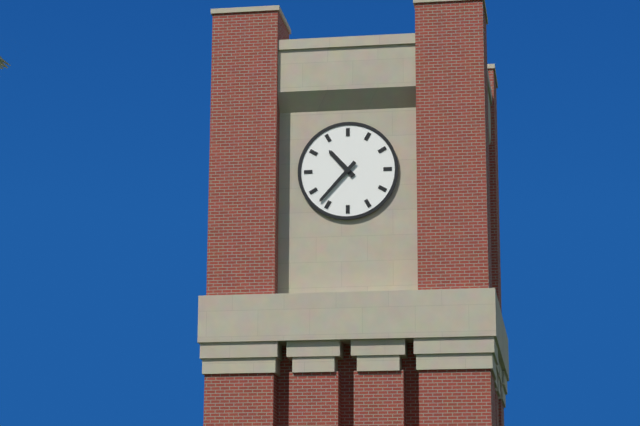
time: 10:37
